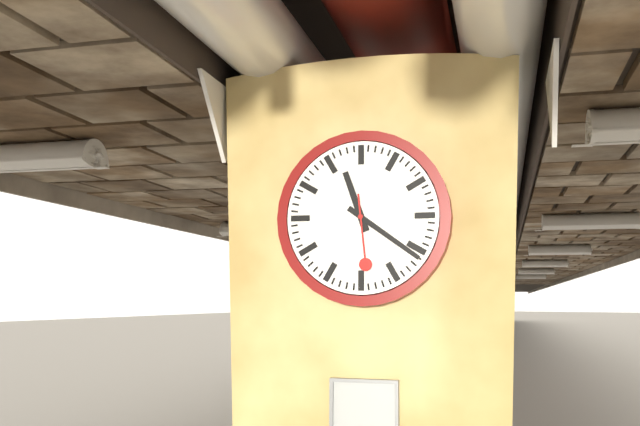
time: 11:21:29
